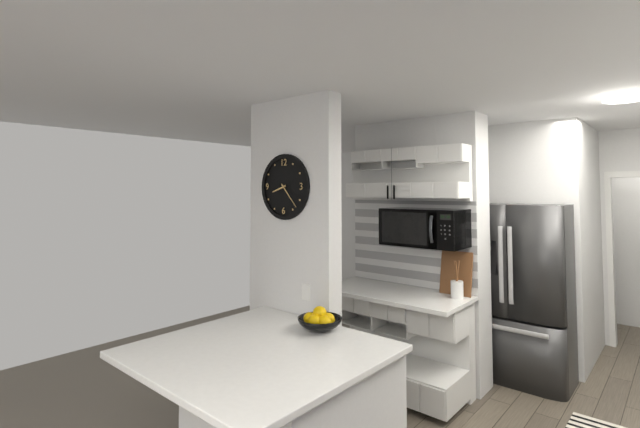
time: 8:23
